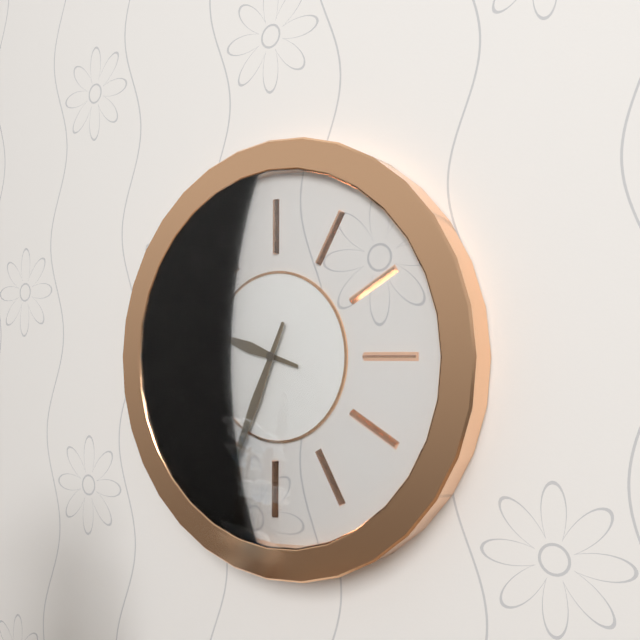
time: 9:34
